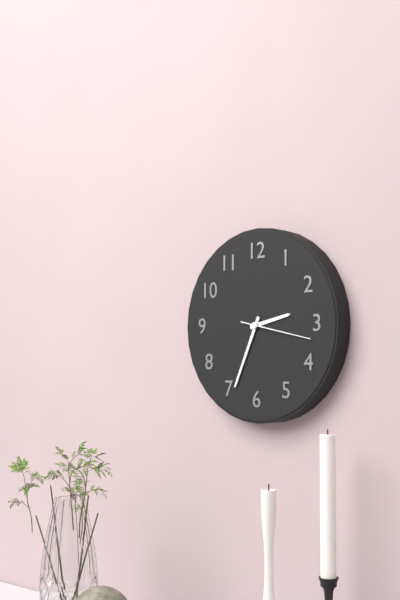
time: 2:34:17
